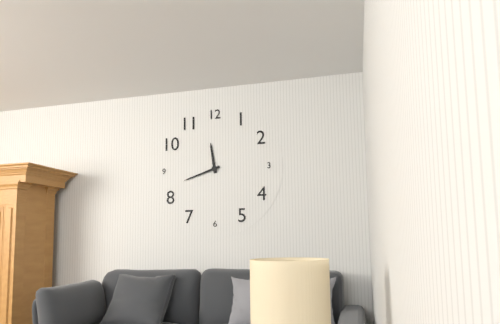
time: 11:42
